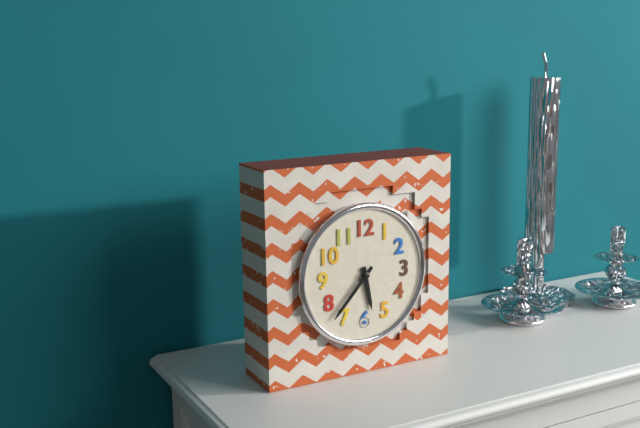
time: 5:37
